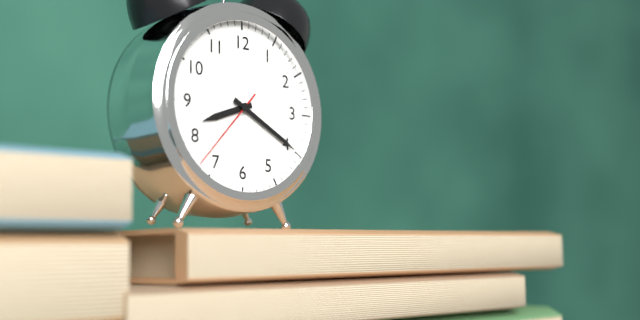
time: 8:20:37
